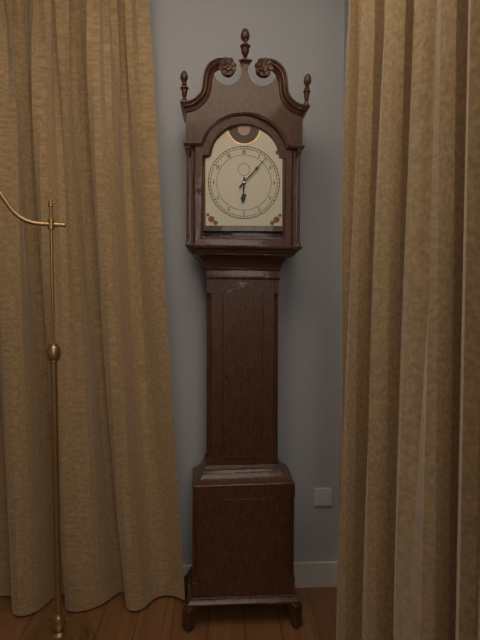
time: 6:07
